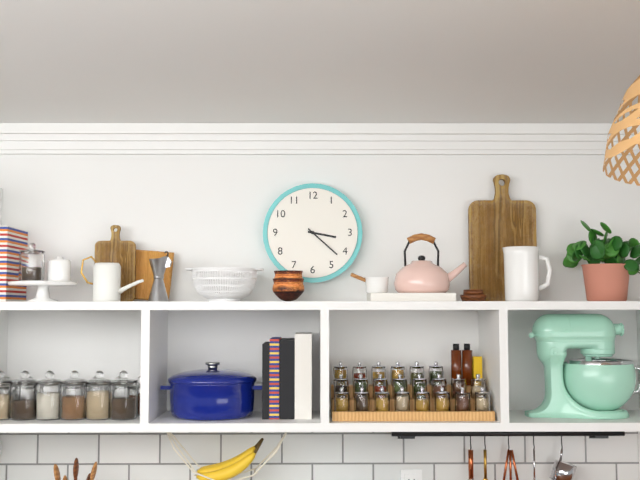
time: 3:22
